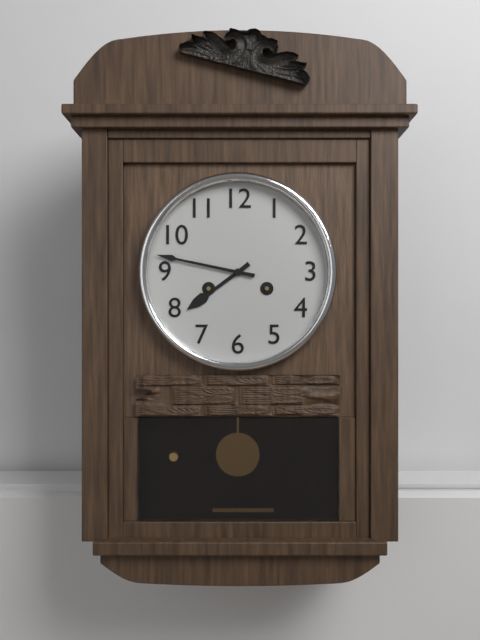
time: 7:47
